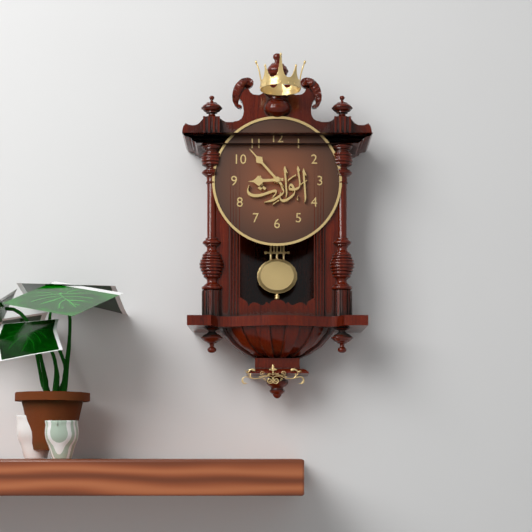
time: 8:53
